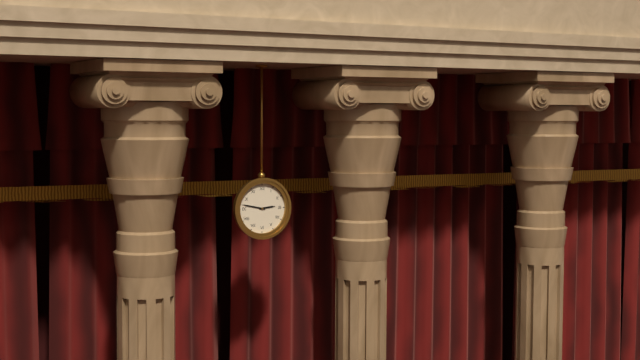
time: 2:47
